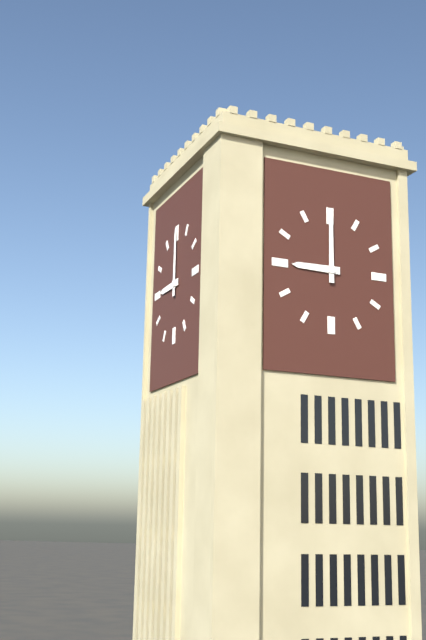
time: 9:00
